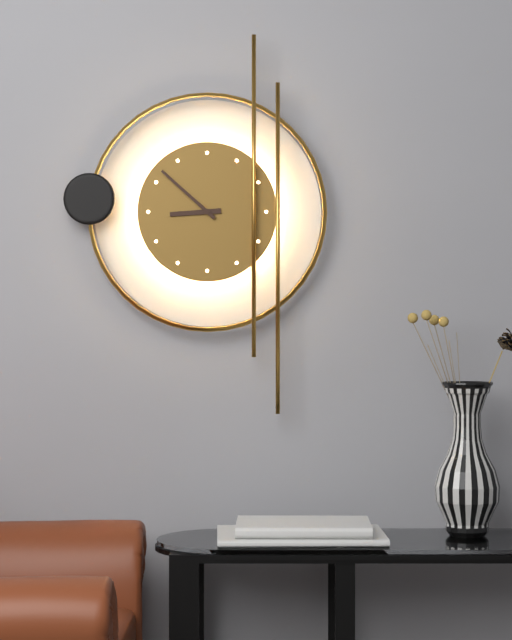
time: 8:52
